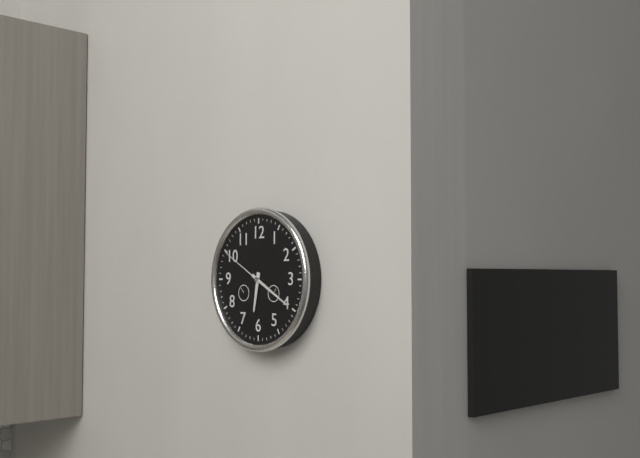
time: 6:20:50
